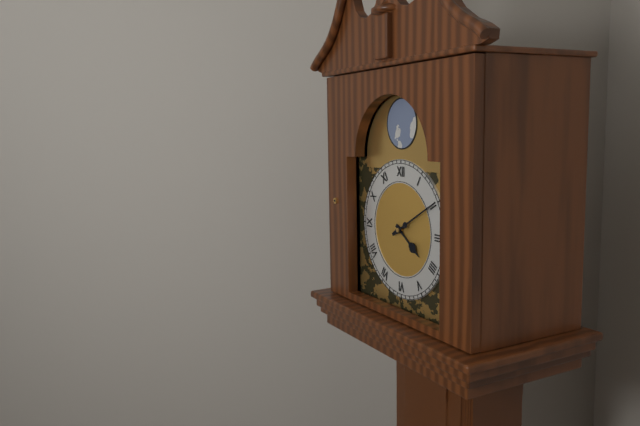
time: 4:10
